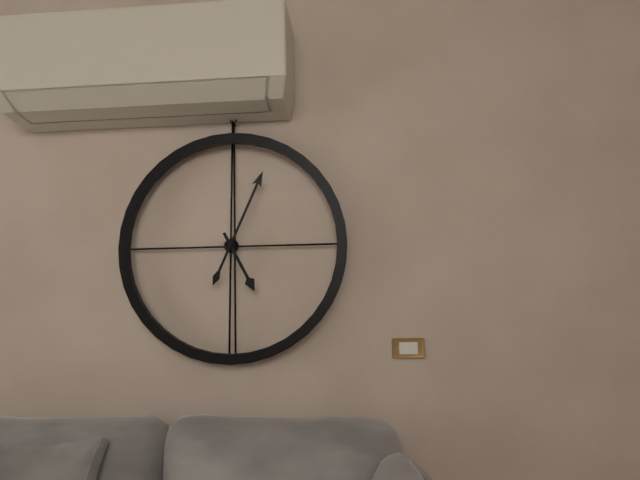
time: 5:04
